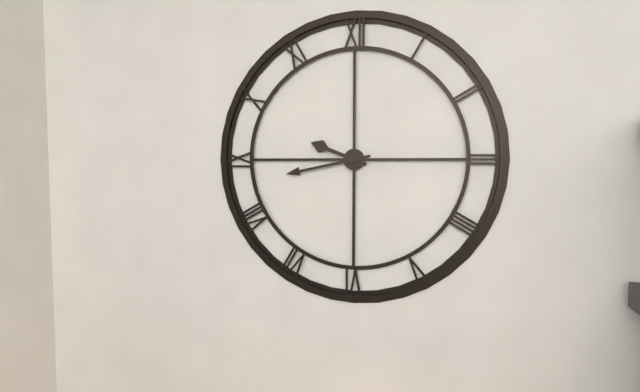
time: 9:43
